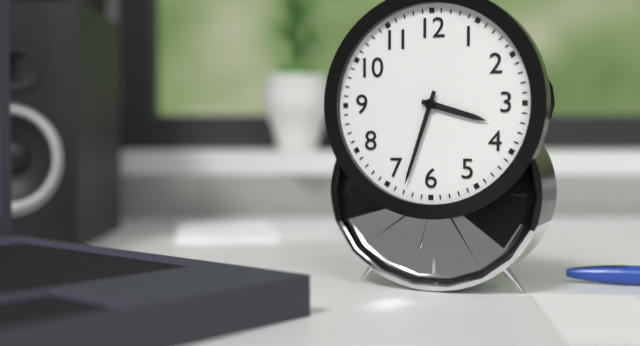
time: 3:33
